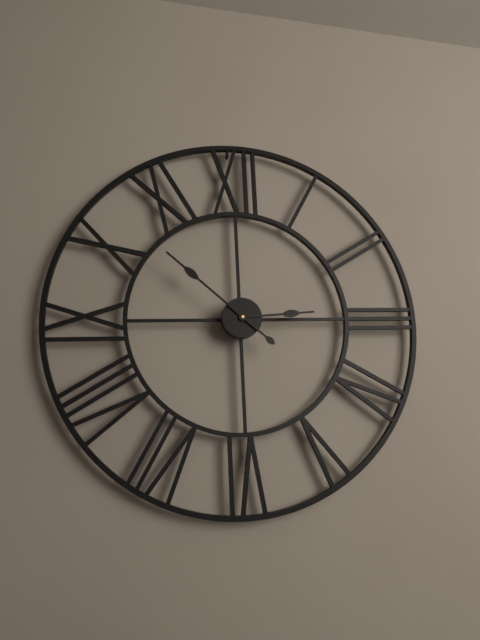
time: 2:52
